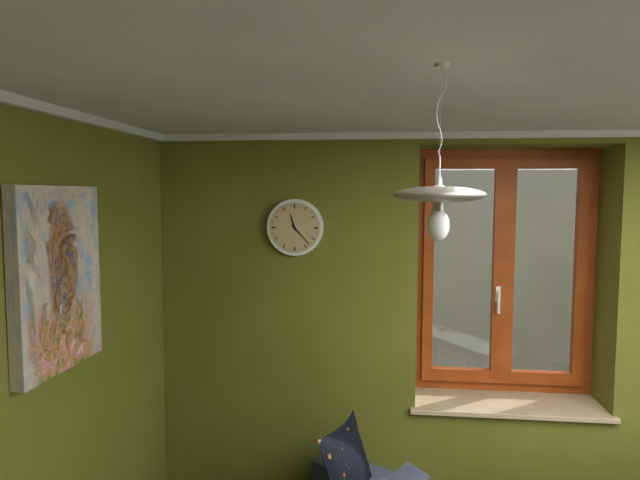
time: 11:23
